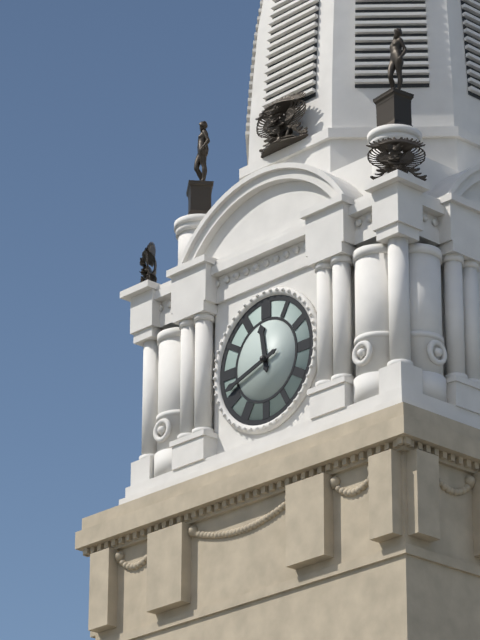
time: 11:42
